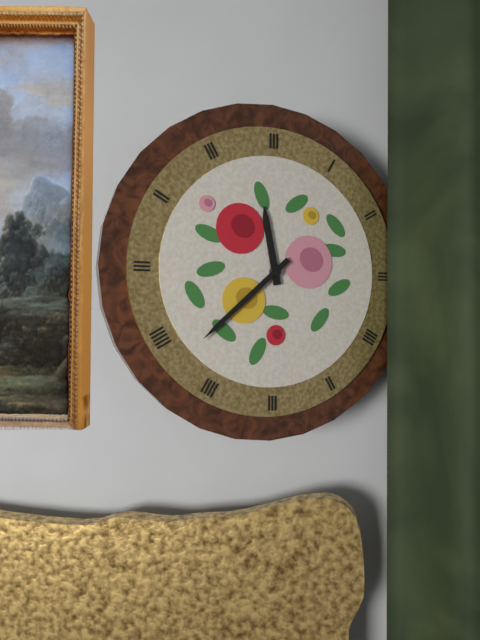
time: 11:38
